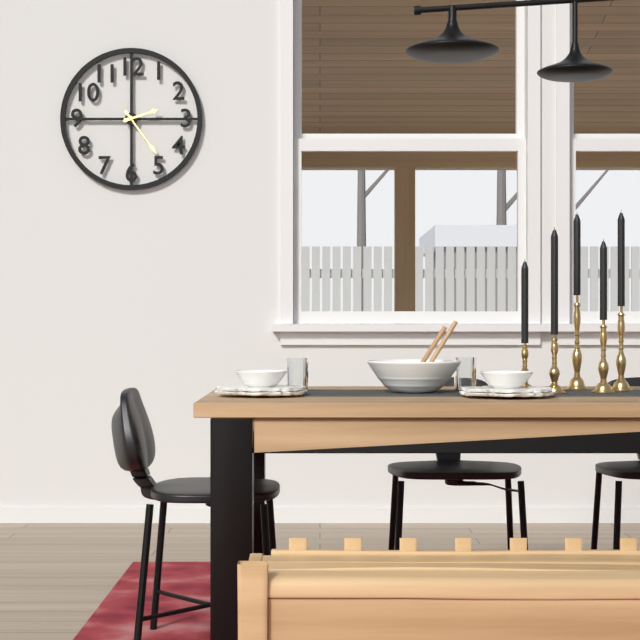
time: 2:24
